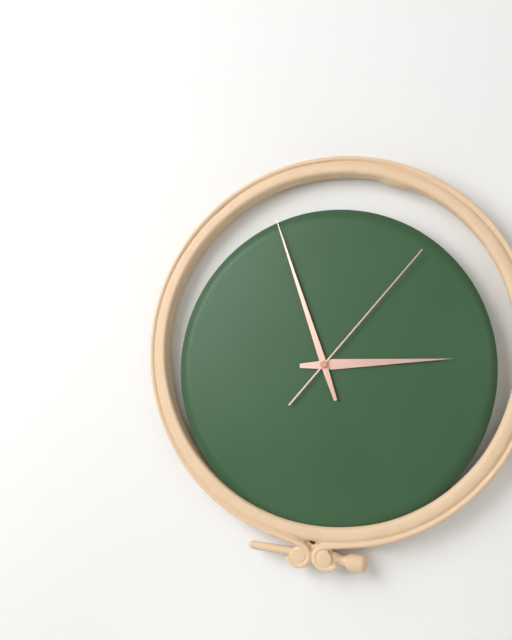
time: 2:57:07
